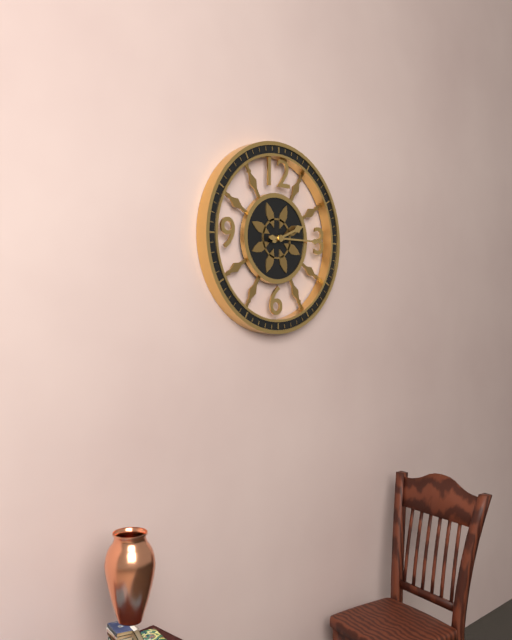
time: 2:15
